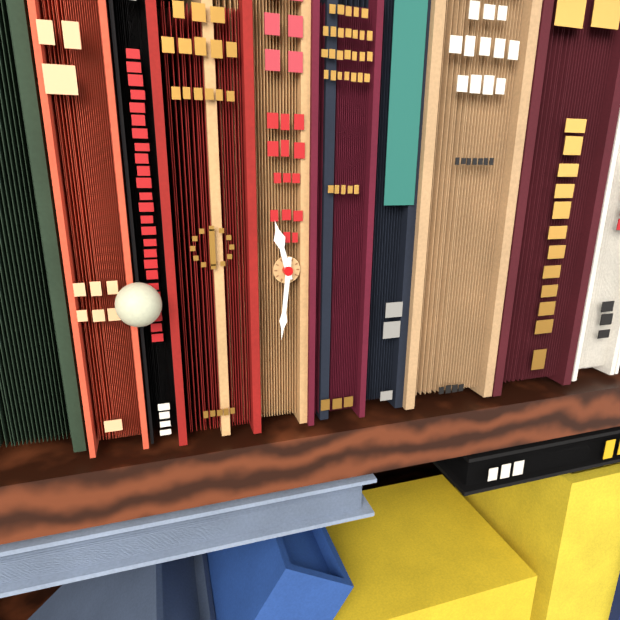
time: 11:31
